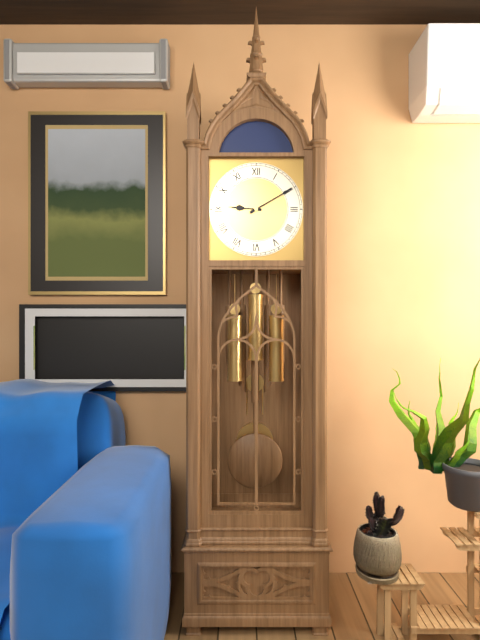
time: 9:10
